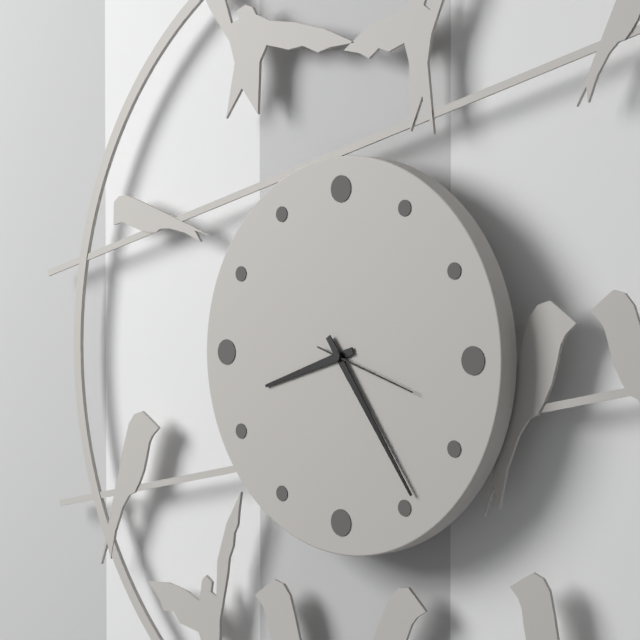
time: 8:24:18
